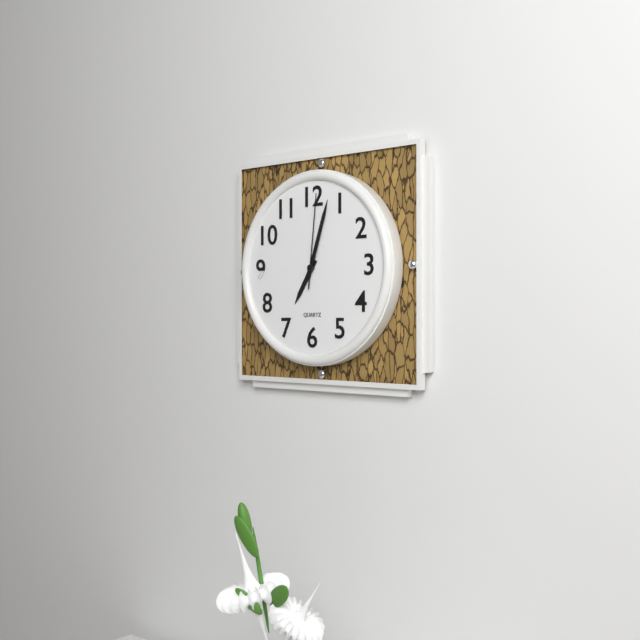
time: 7:03:01
